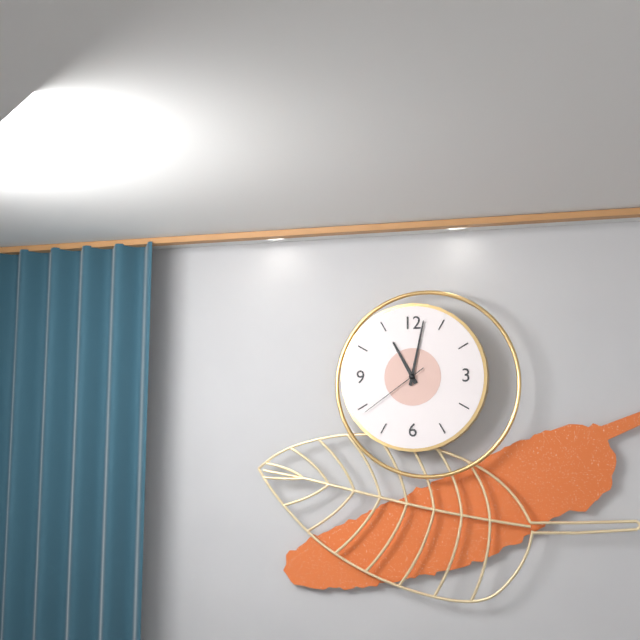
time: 11:02:39
